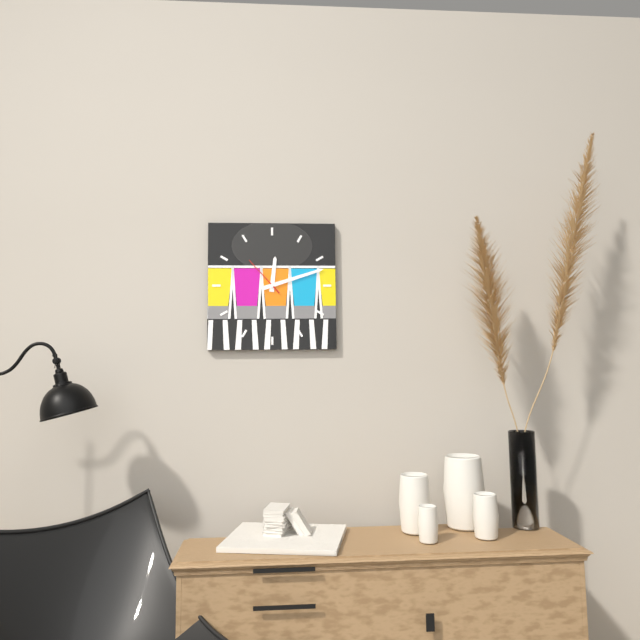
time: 12:12
